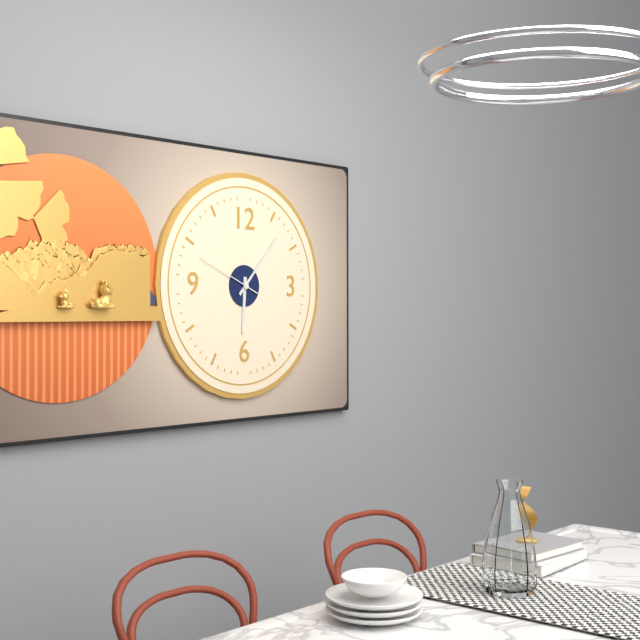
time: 6:07:49
